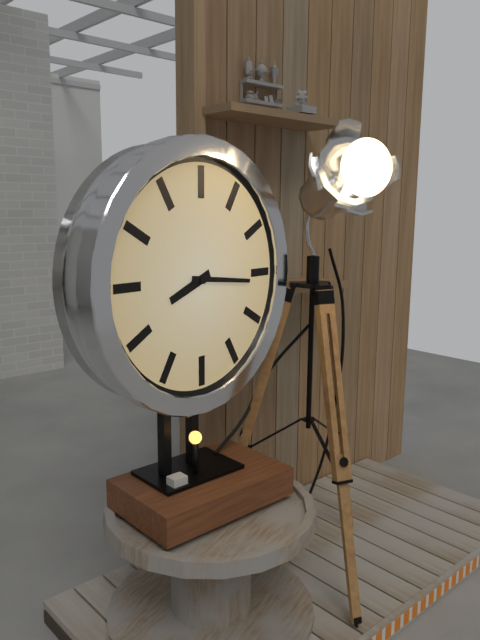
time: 8:16
